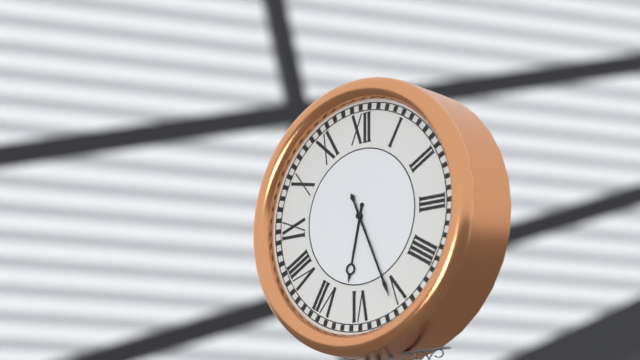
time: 6:26
